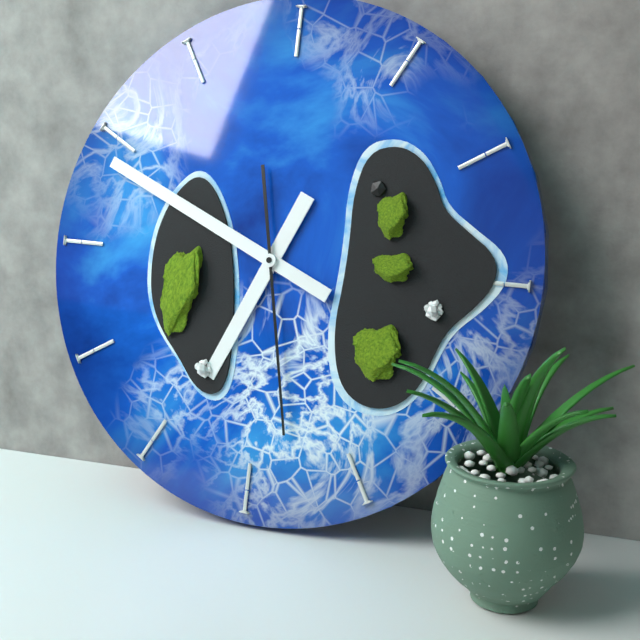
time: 6:49:28
